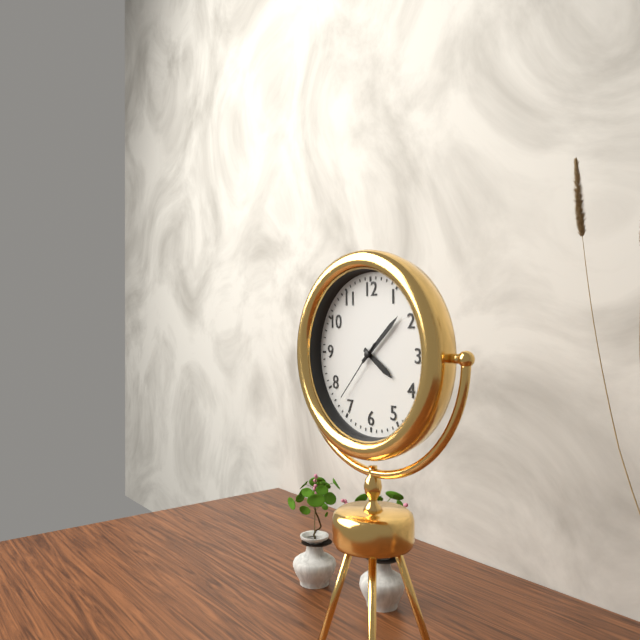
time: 4:08:37
